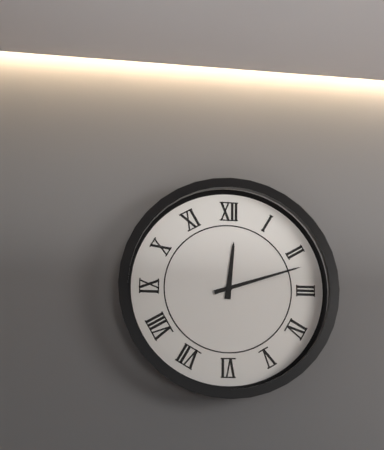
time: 12:12
